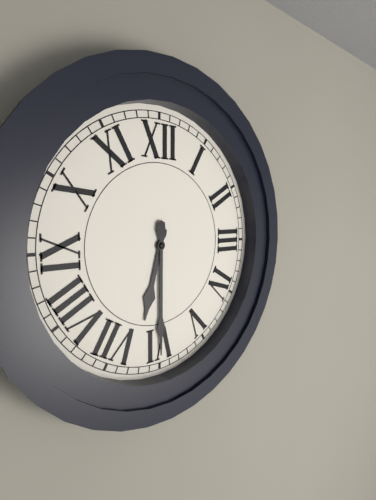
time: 6:30
